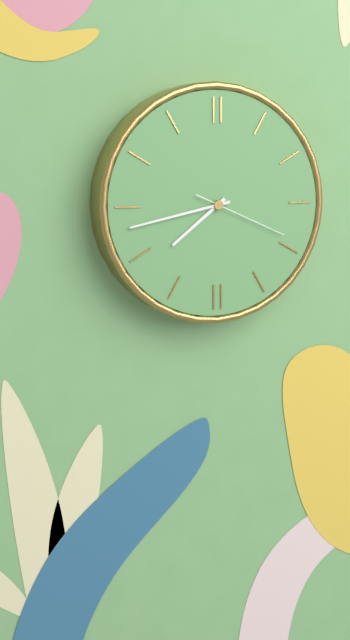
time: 7:43:19
